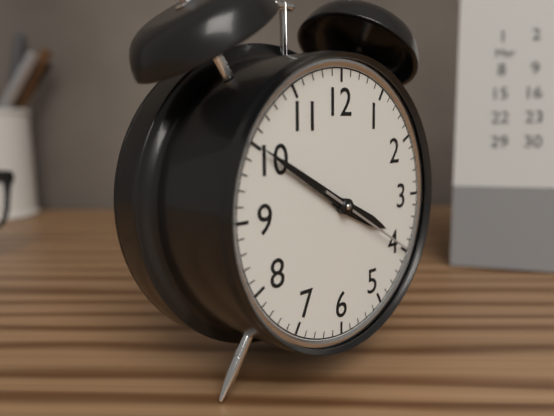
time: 3:50:20
